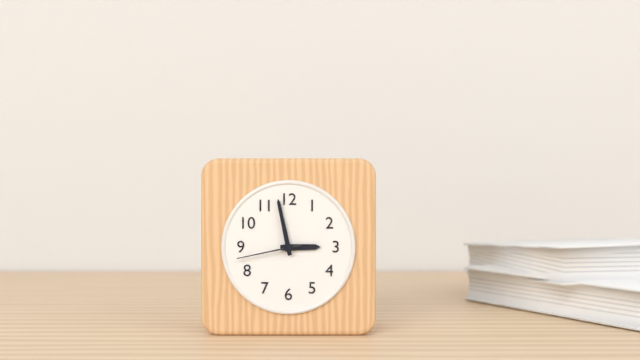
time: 2:58:43
